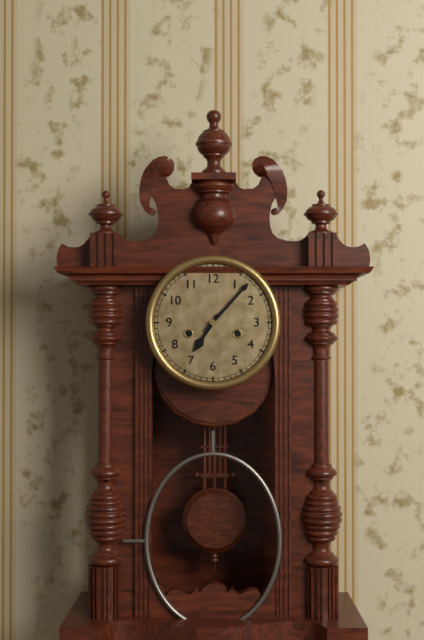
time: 7:07
